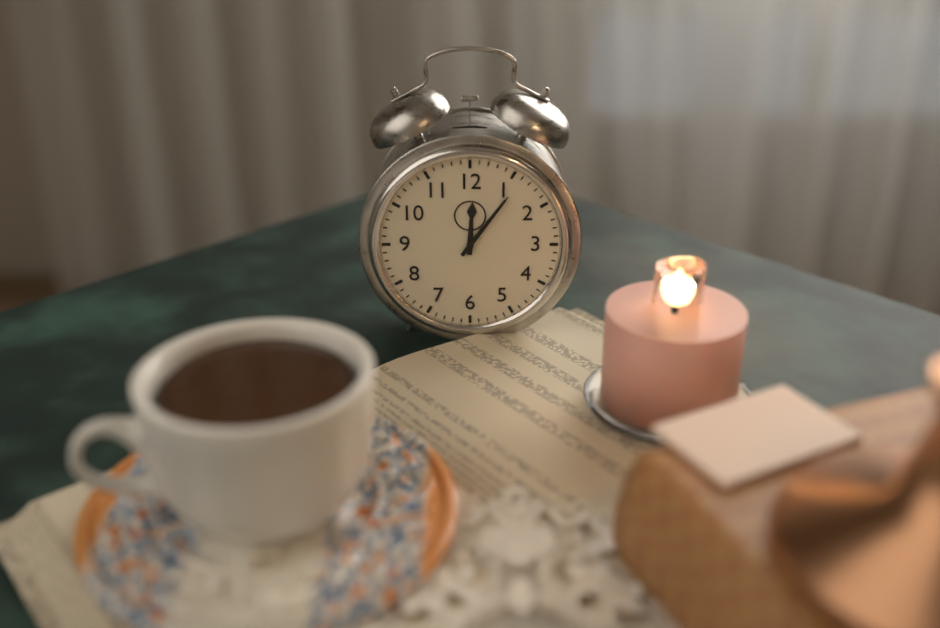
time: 12:06
